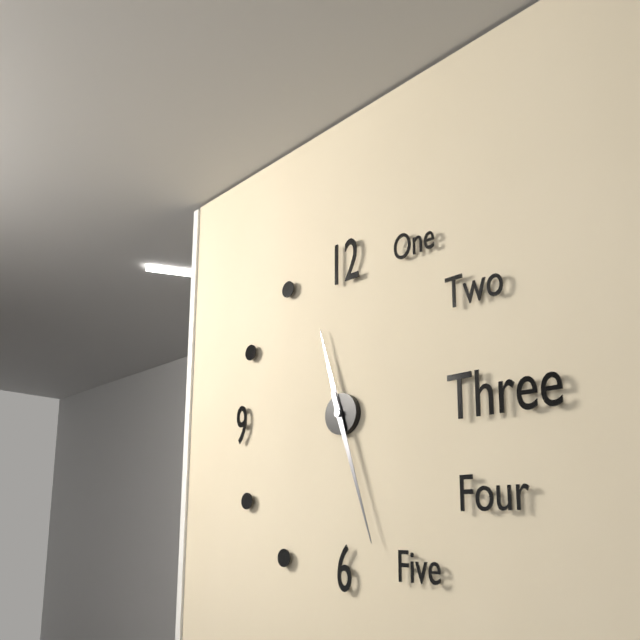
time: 11:27
